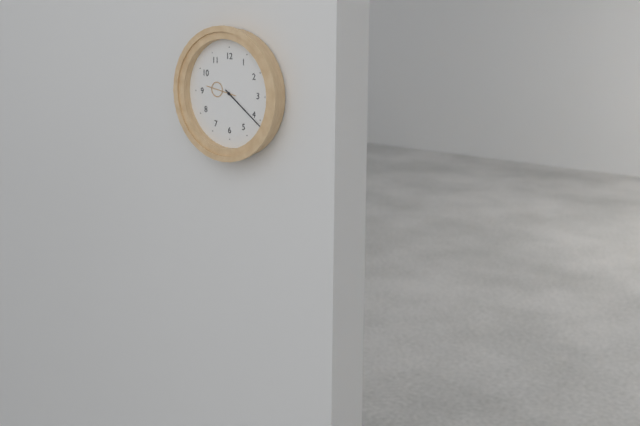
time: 9:21
